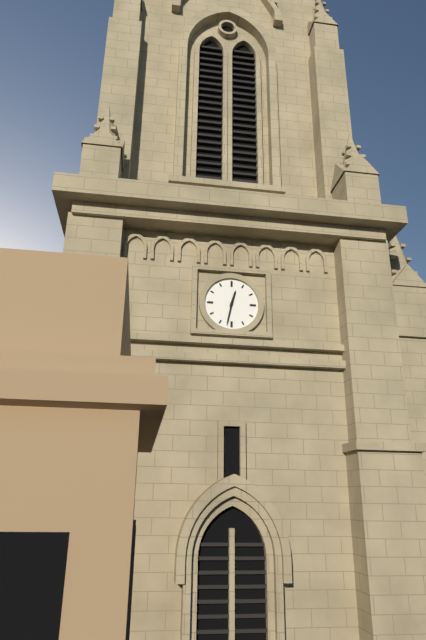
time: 12:32
